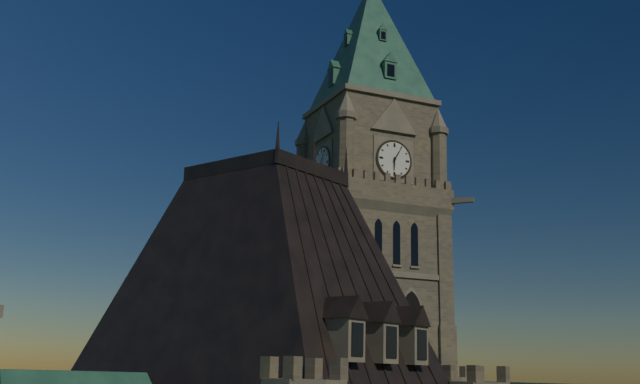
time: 6:05
